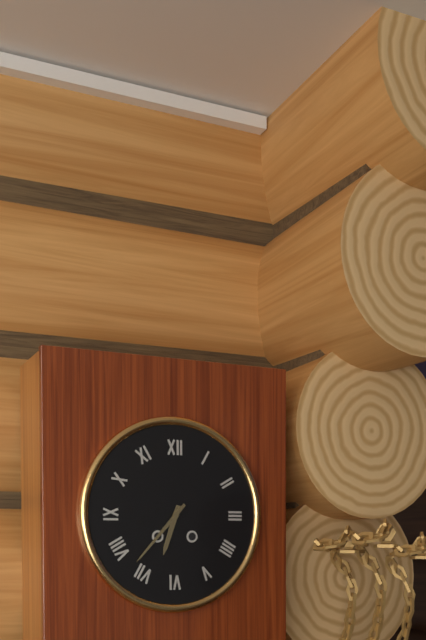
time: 6:37
